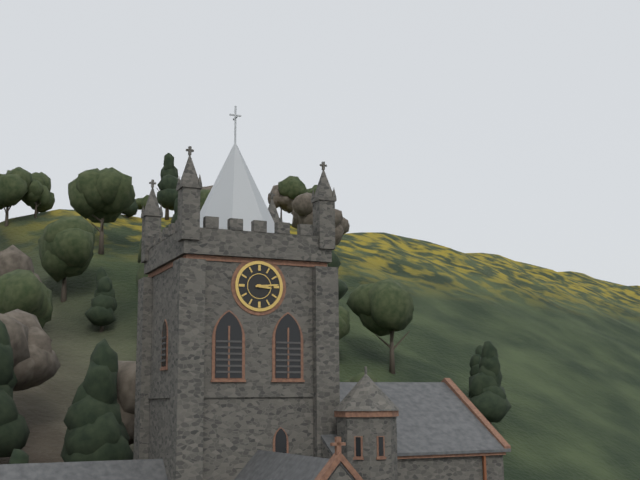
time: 3:14
